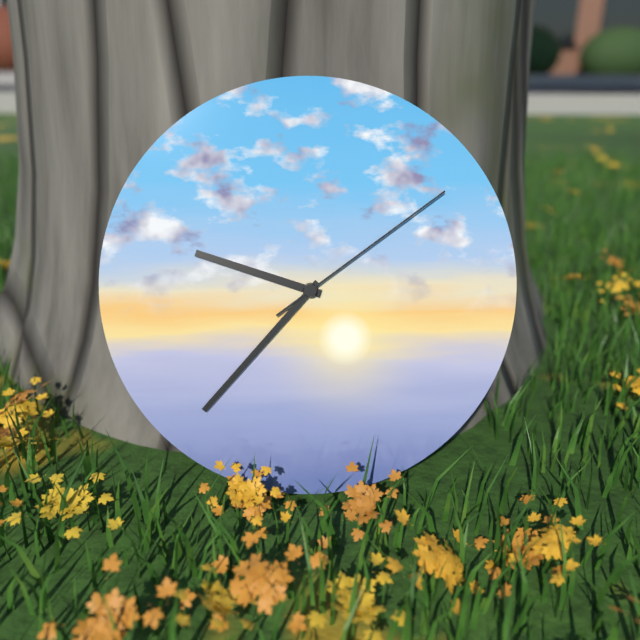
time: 9:37:09
